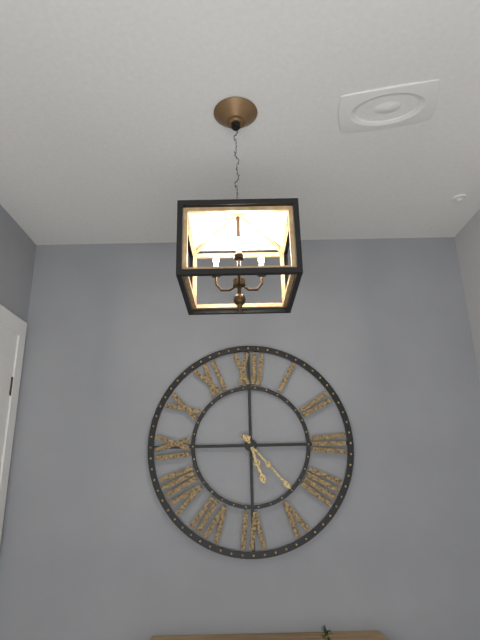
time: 5:23
